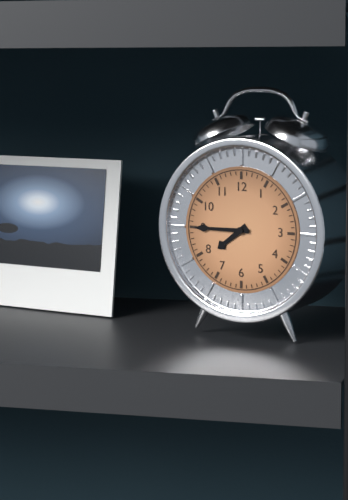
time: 7:45
